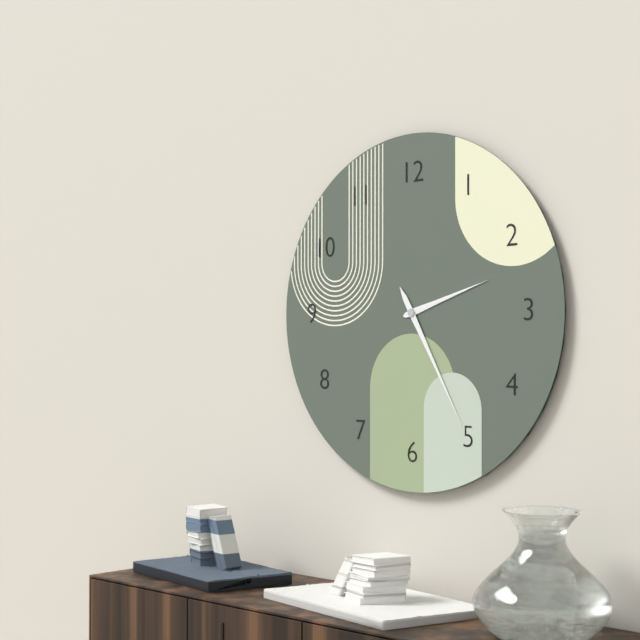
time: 2:25
